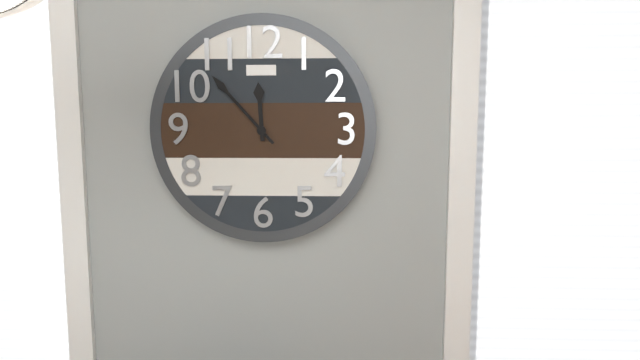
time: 11:53
